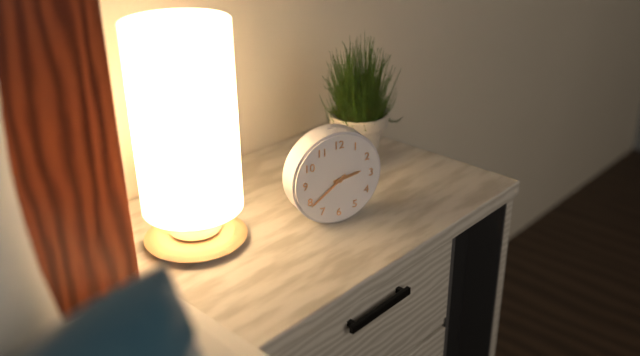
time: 2:39
